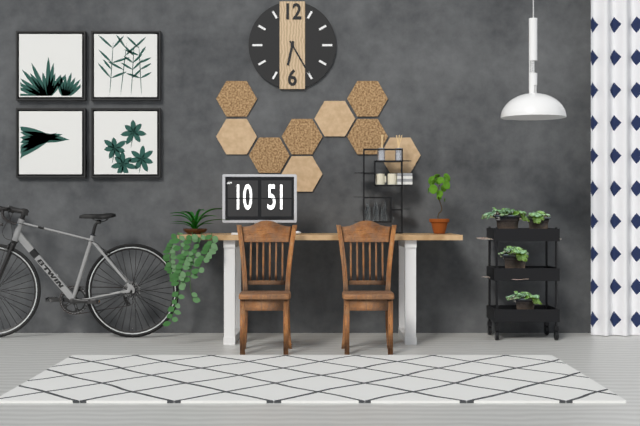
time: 6:25
